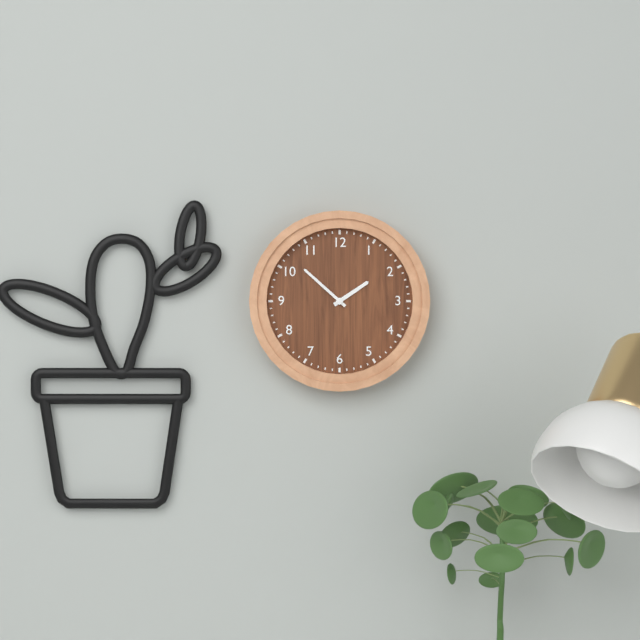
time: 1:52
